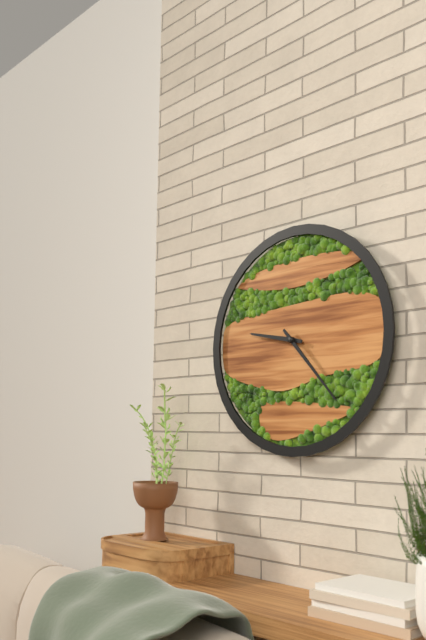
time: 9:23
